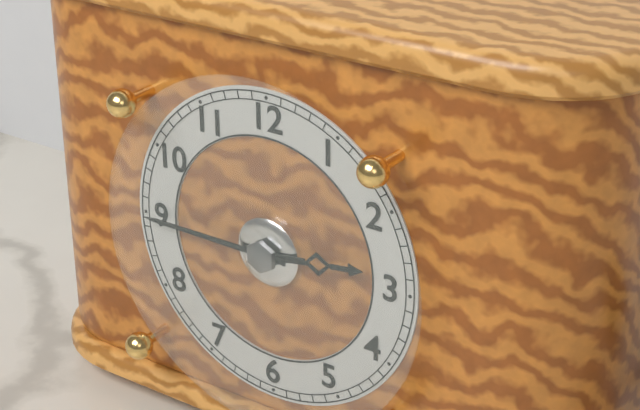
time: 2:45
